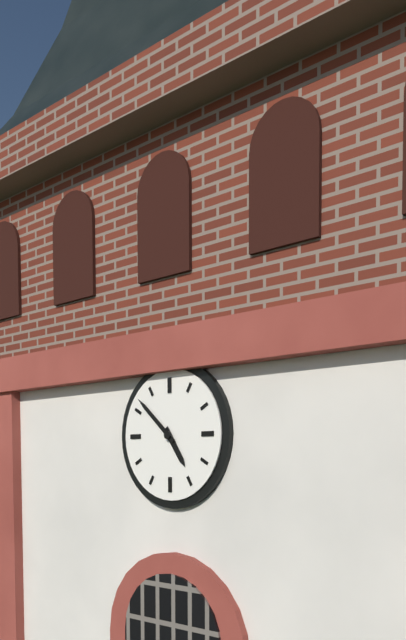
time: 4:52
